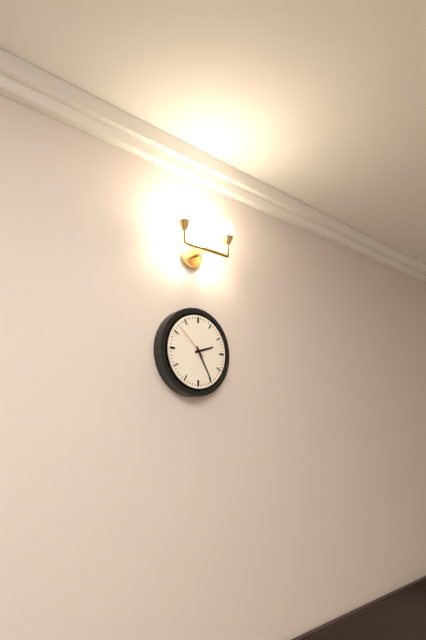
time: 2:25
